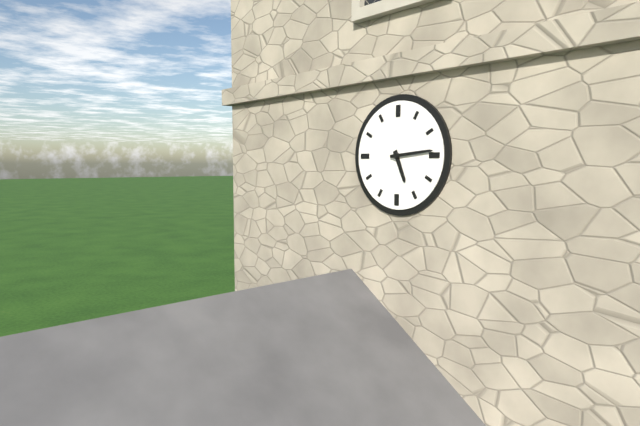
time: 5:14
